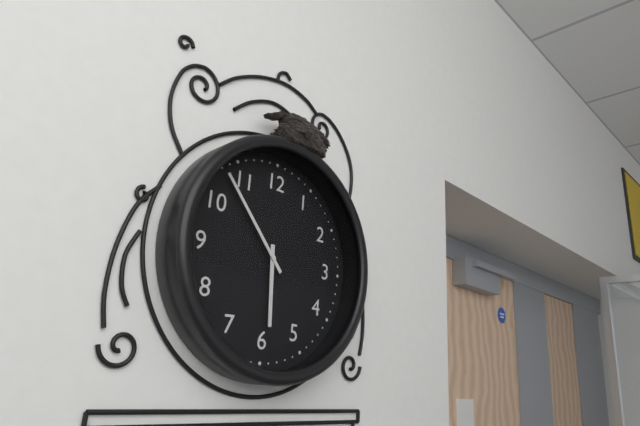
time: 5:53
